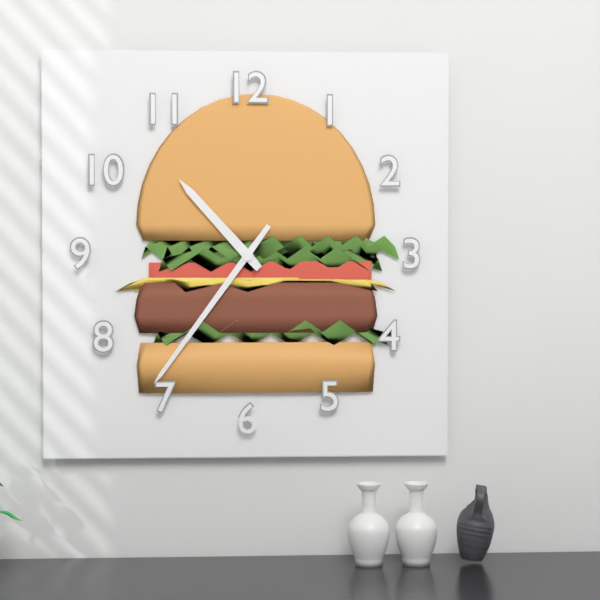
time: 10:36
